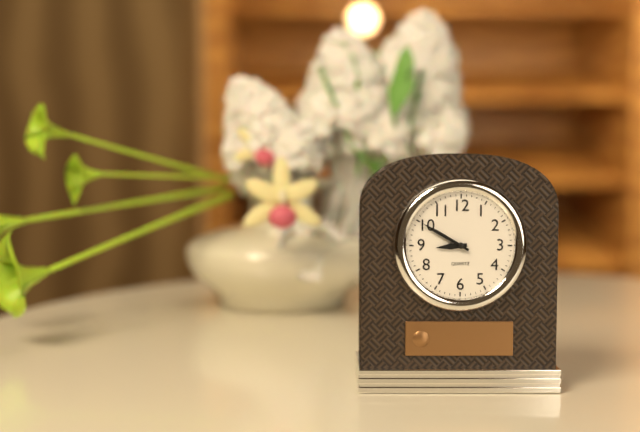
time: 8:50
